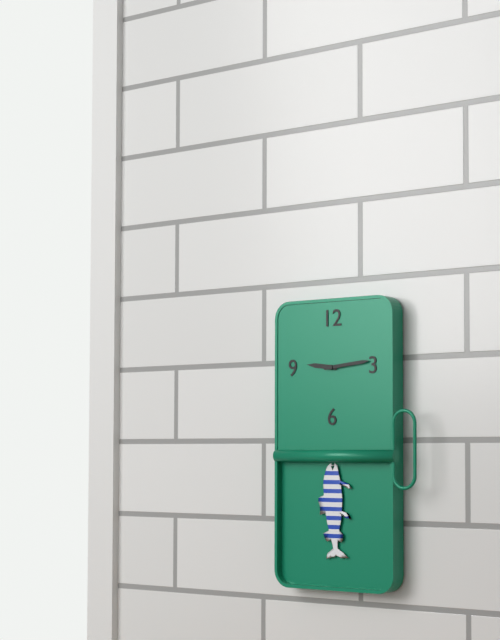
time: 9:14
